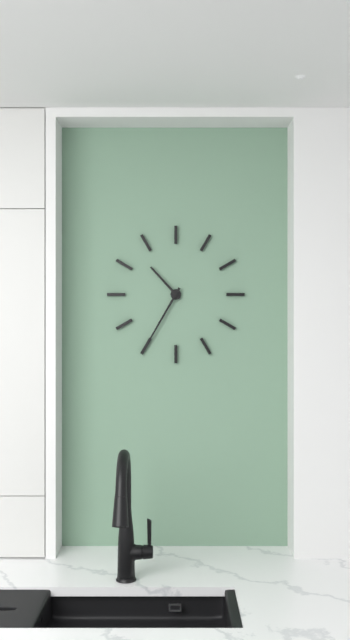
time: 10:35
